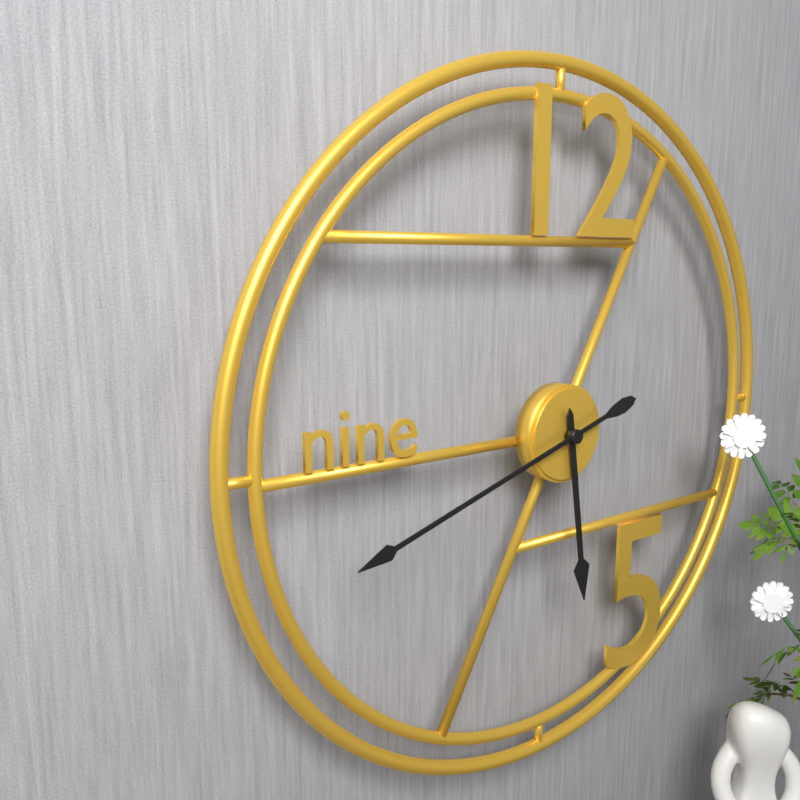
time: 5:42
